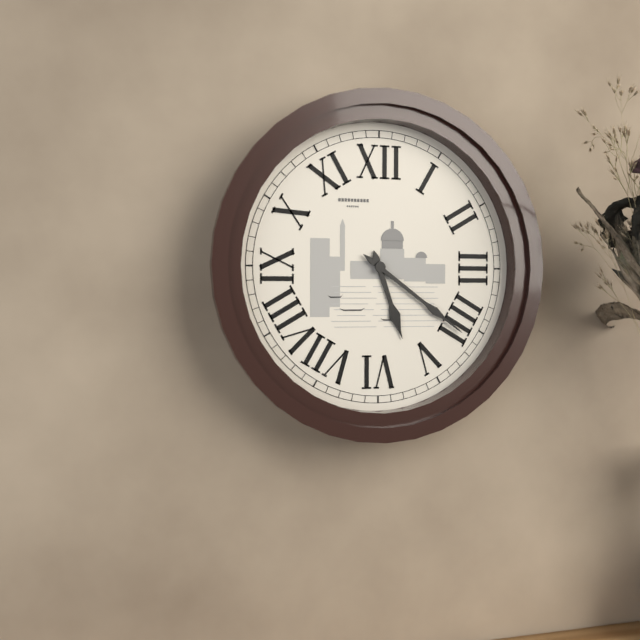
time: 5:21
